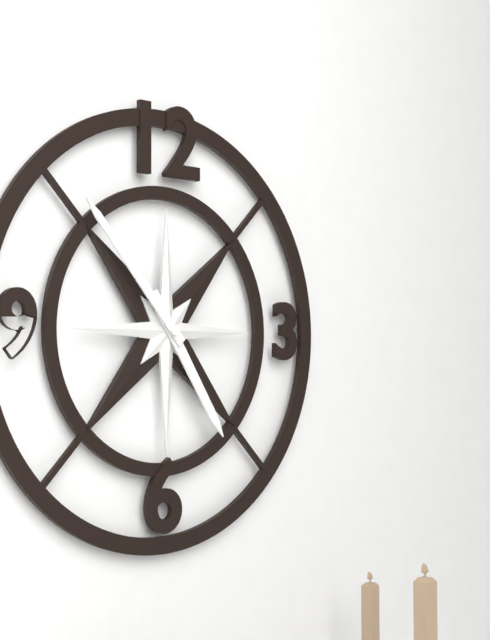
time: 4:53
